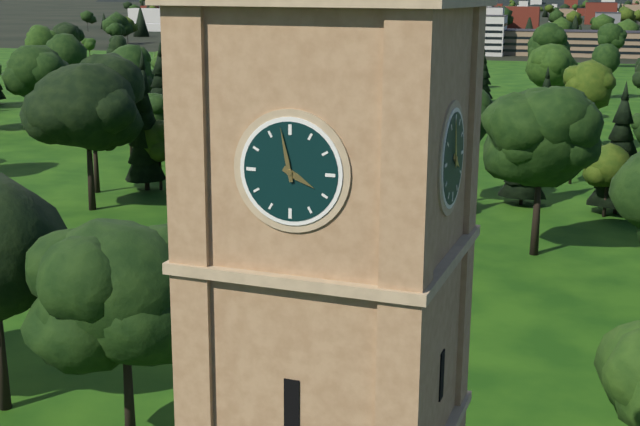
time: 3:58
